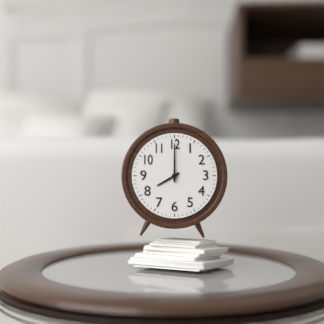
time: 8:00
